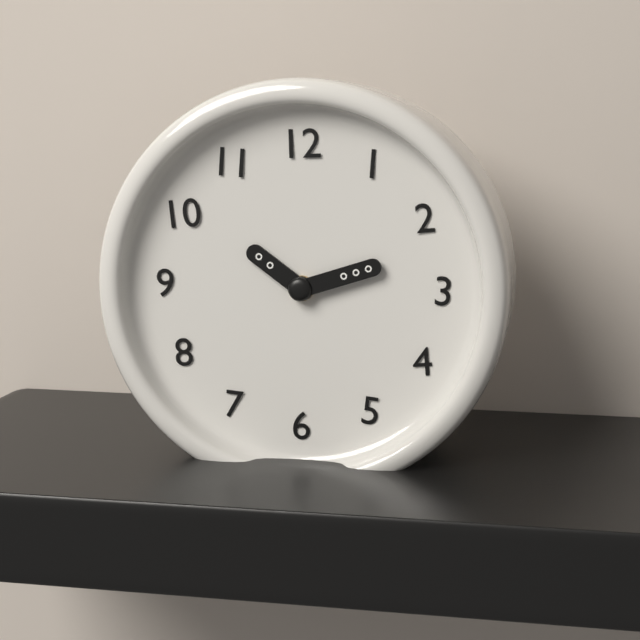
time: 10:12
